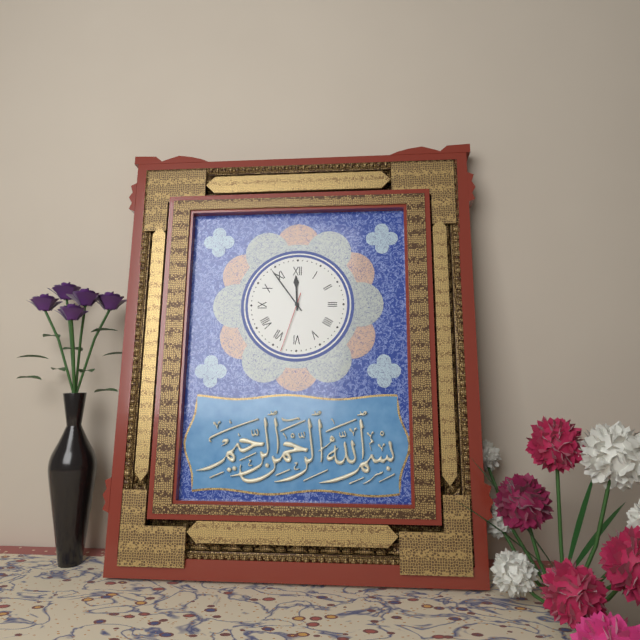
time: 11:54:33
